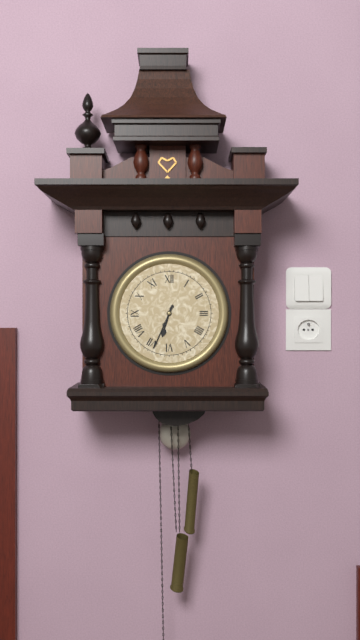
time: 6:34
